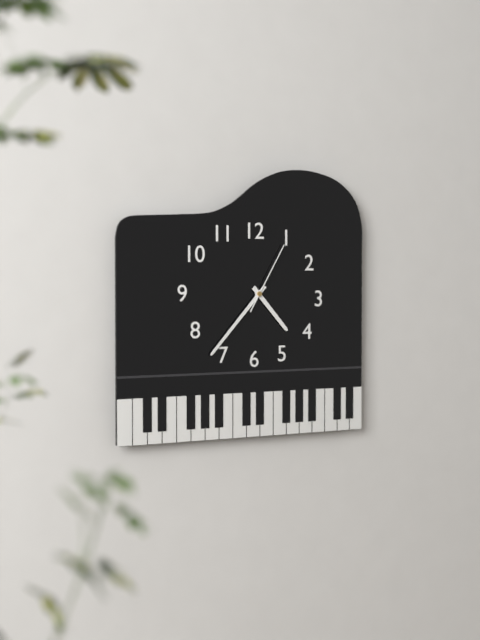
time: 4:37:05
